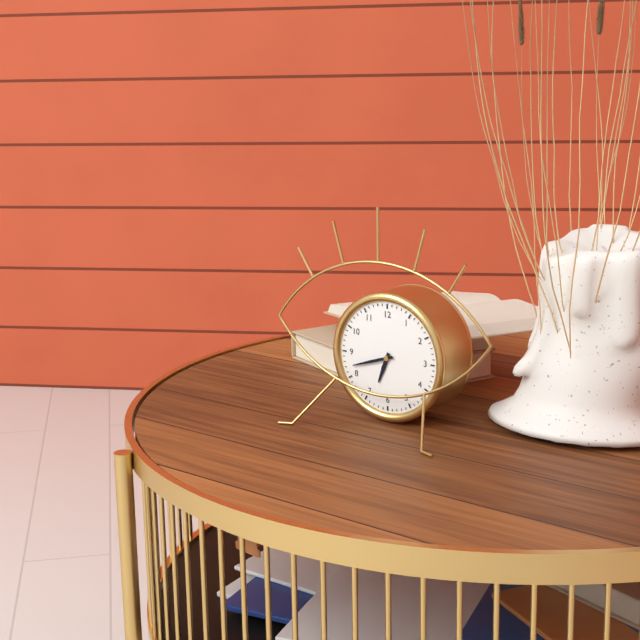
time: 6:42
